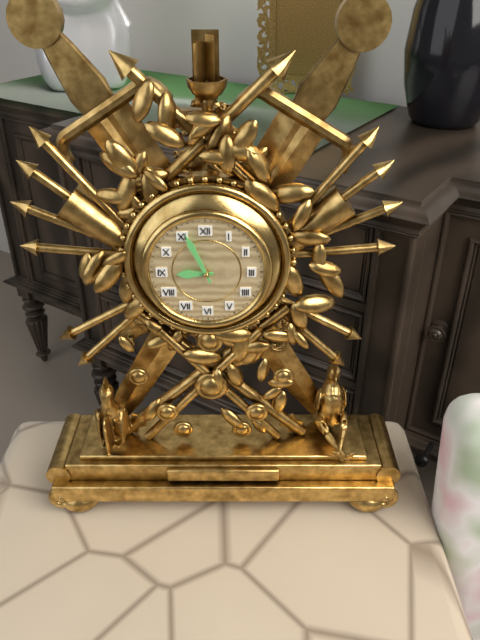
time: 8:56
